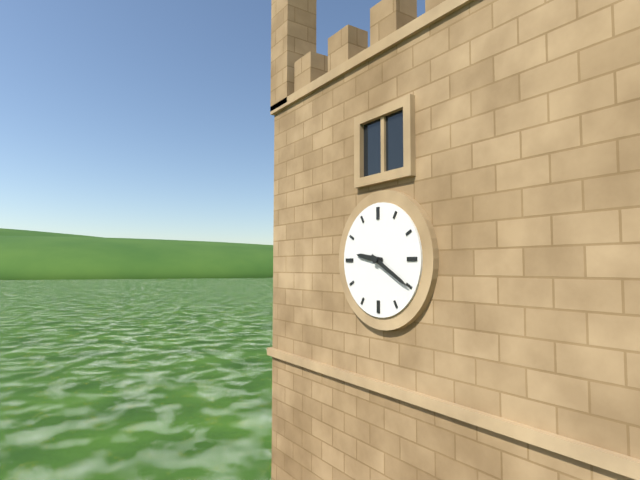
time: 9:20
